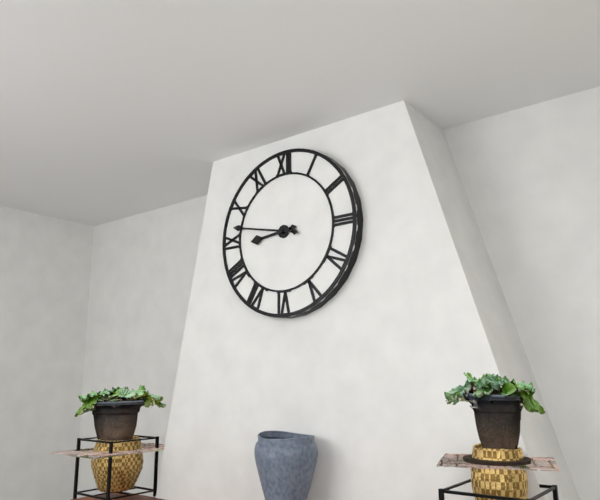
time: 8:47
